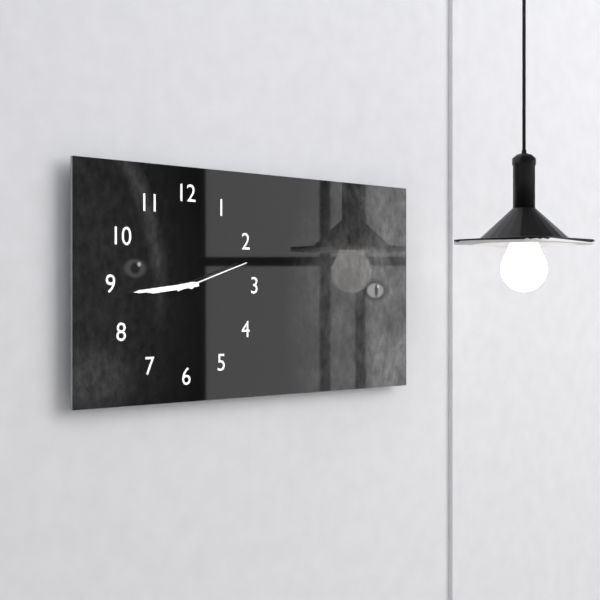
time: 8:44:12
